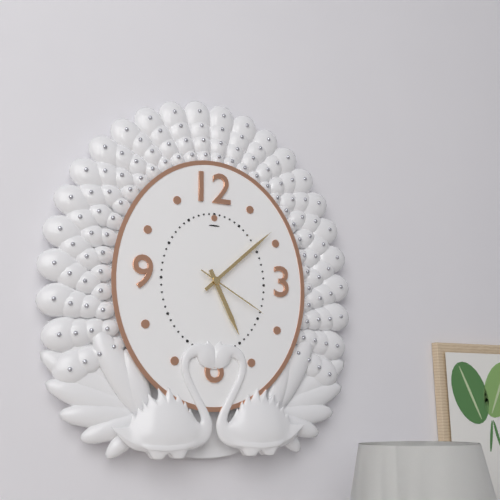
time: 5:08:20
